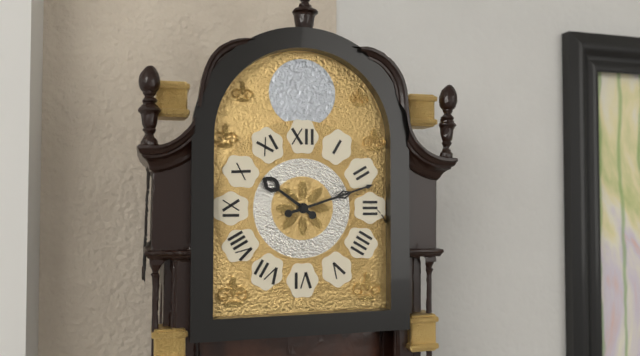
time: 10:12
